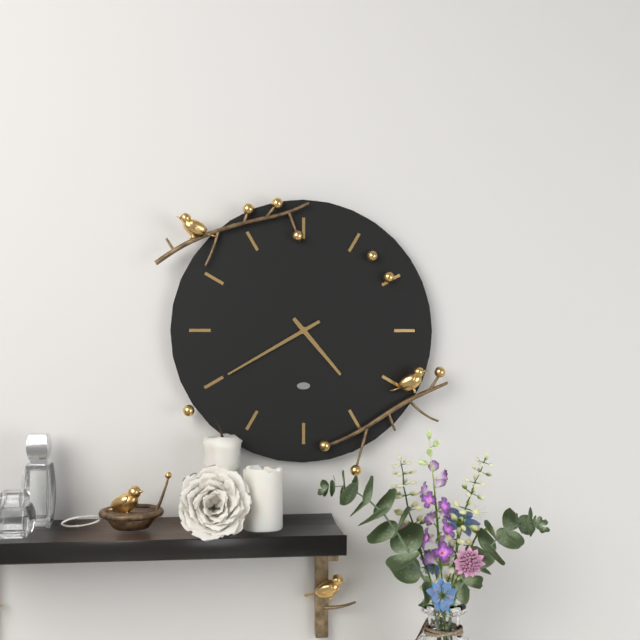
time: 4:40
